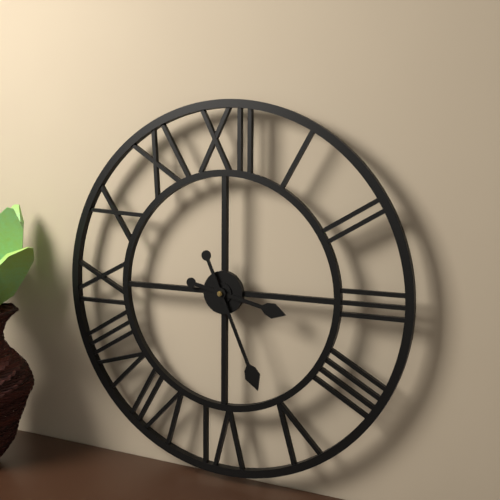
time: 3:26
